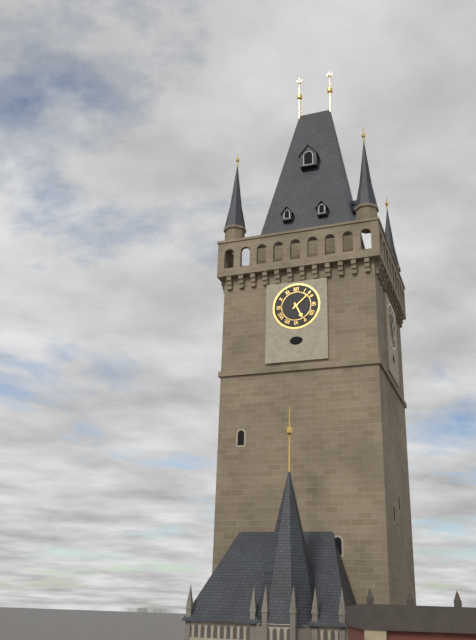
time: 5:08
